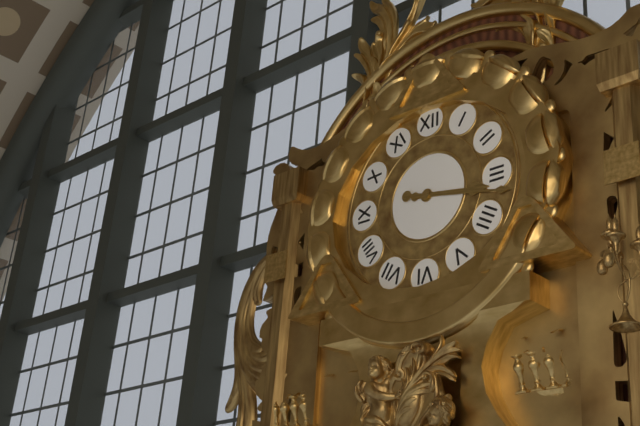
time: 3:17
